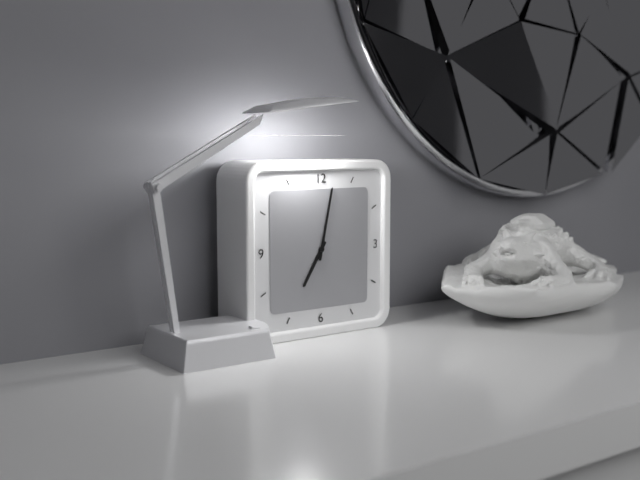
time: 7:02
